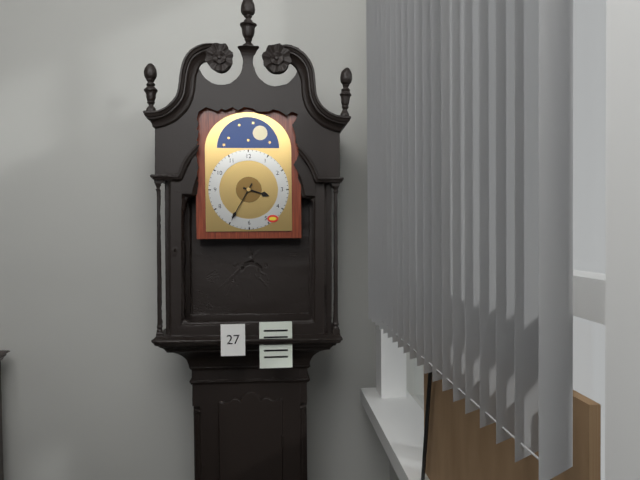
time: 3:35
